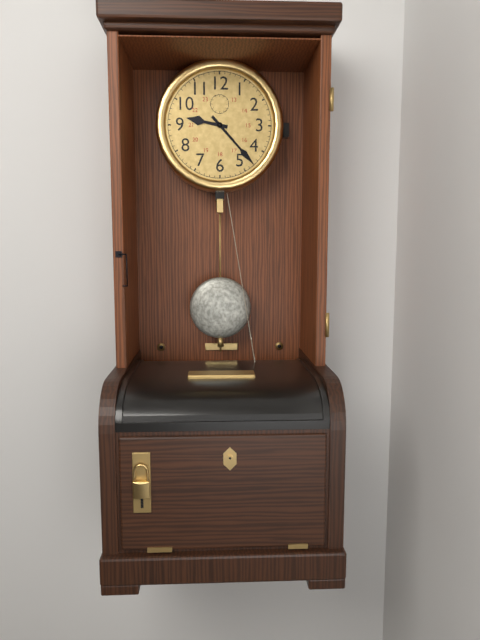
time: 9:23
